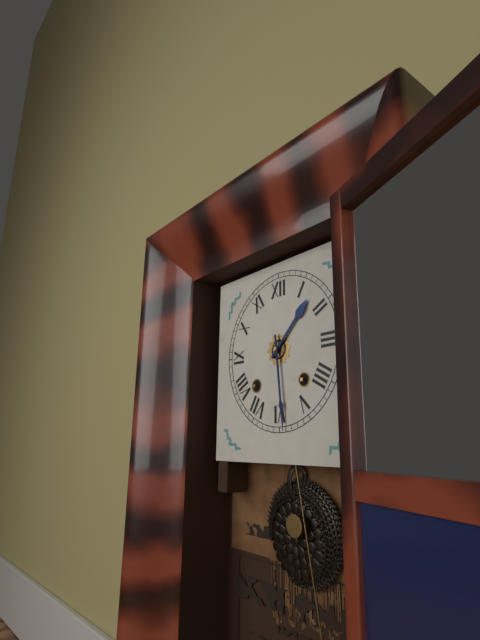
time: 1:29
